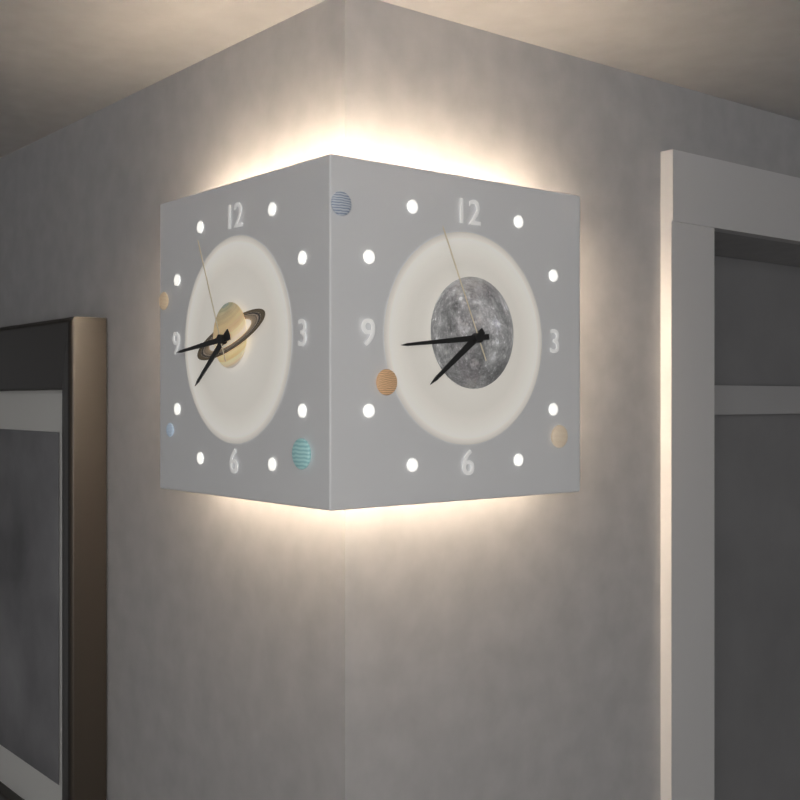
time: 7:44:56
